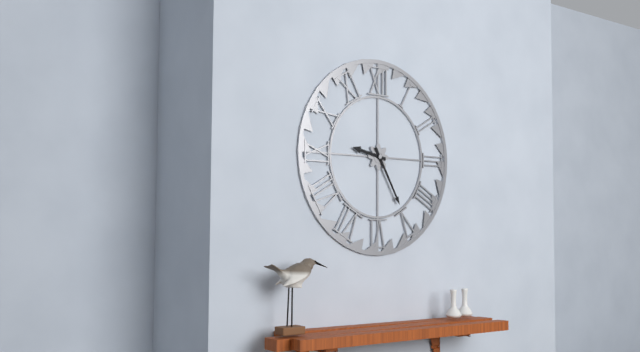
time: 9:25
